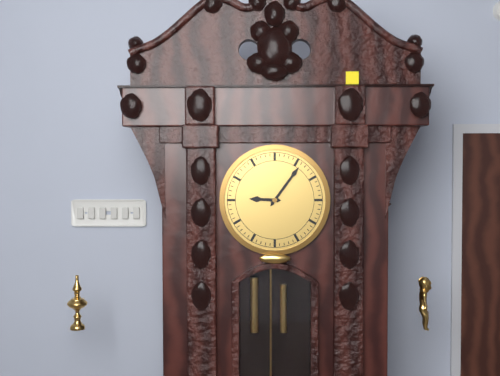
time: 9:06
